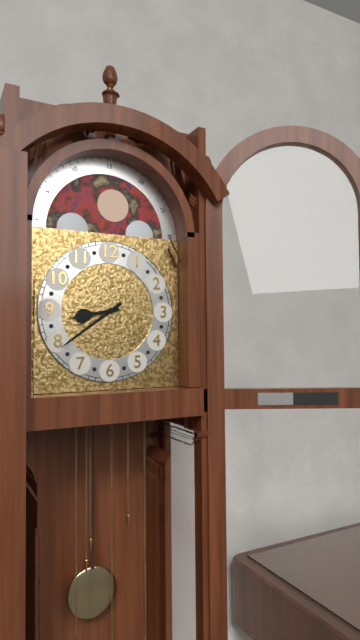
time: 8:39
